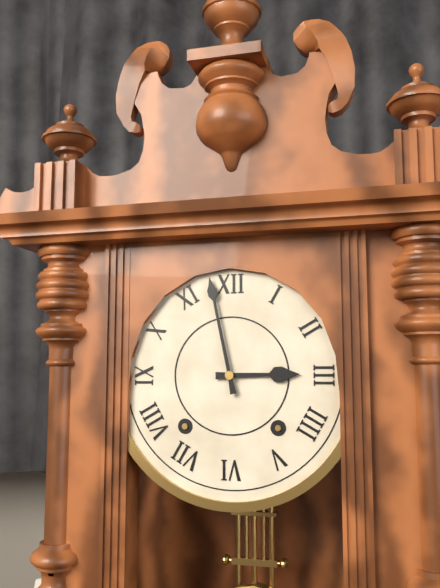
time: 2:58
